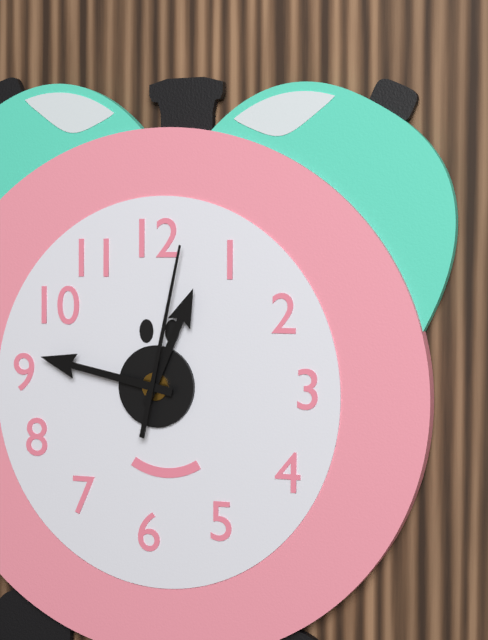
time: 12:47:02
